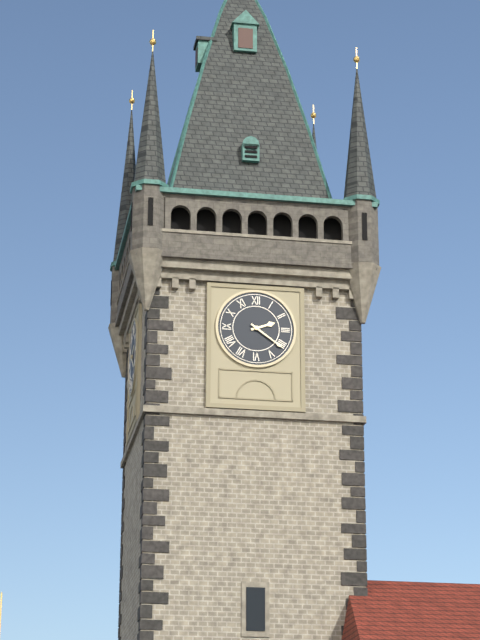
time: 2:21
